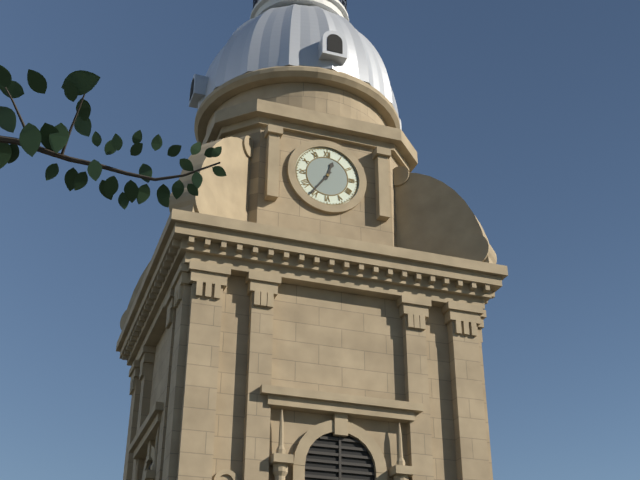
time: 12:36
